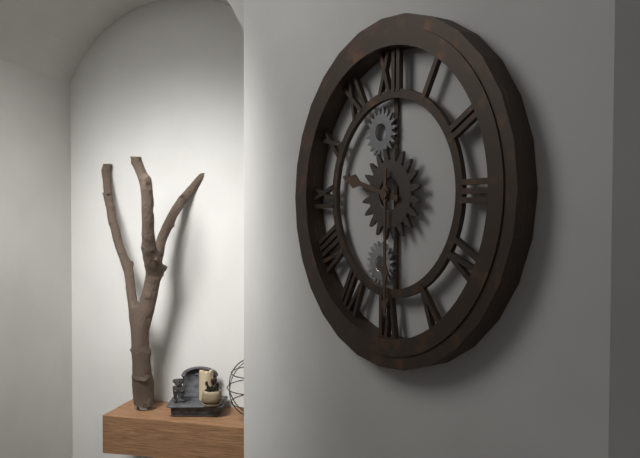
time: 9:30
